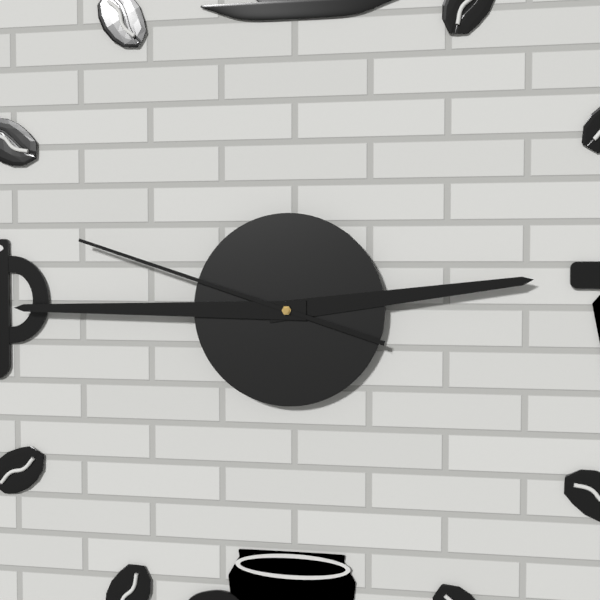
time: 2:45:48
